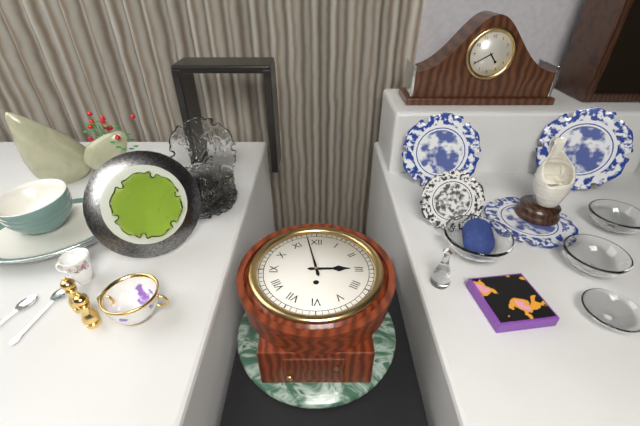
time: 2:58
